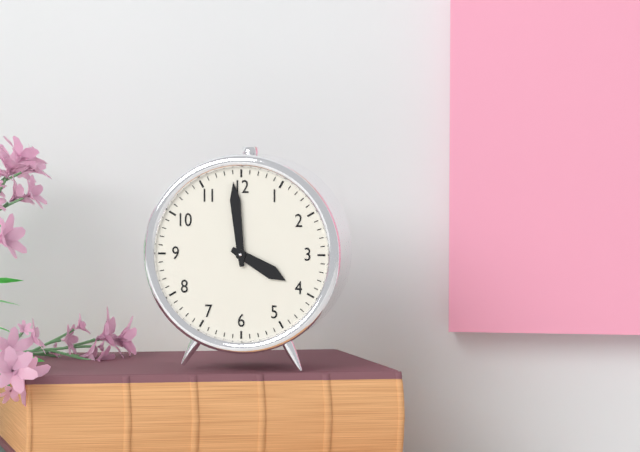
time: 3:59
